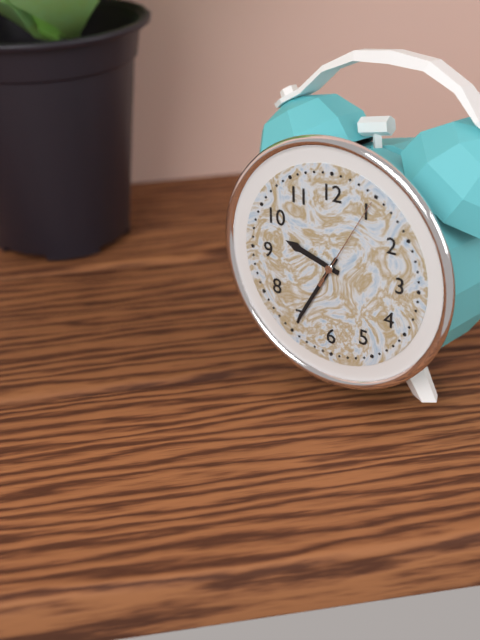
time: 9:35:05
